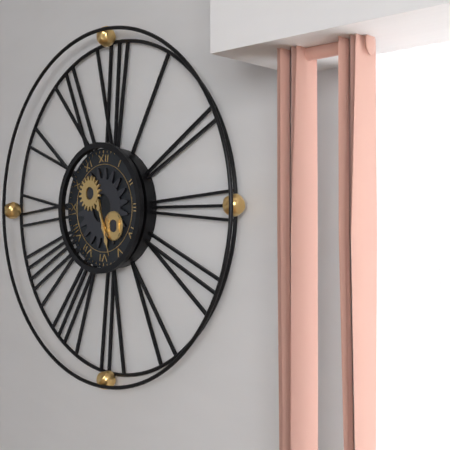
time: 5:27
